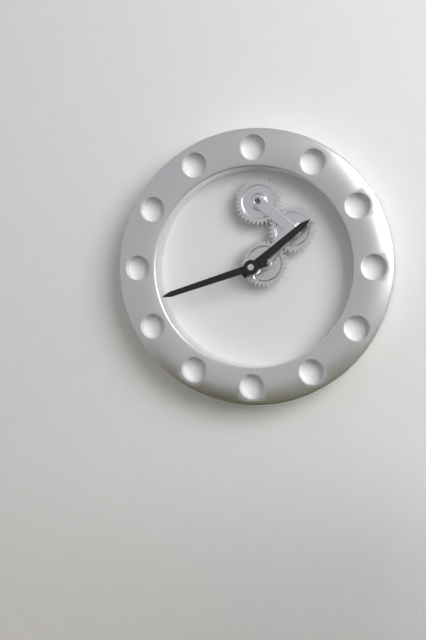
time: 1:42
